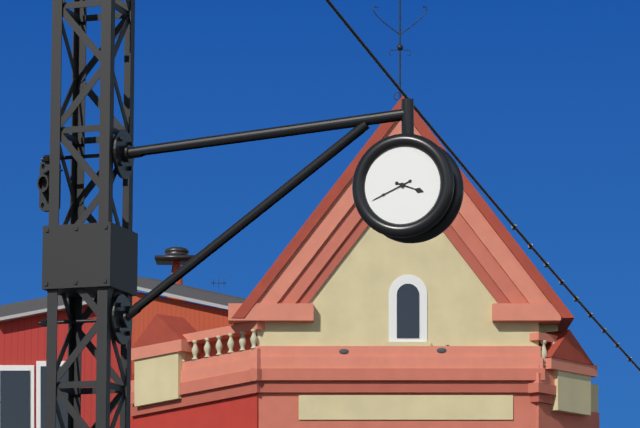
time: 3:41
